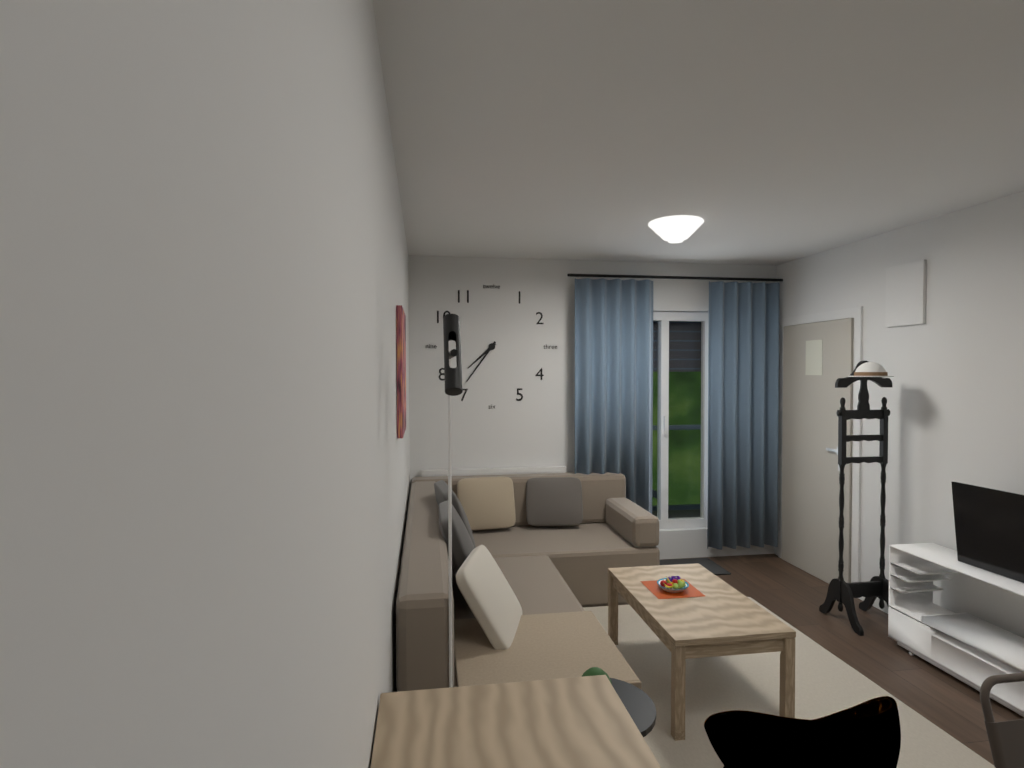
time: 7:36
